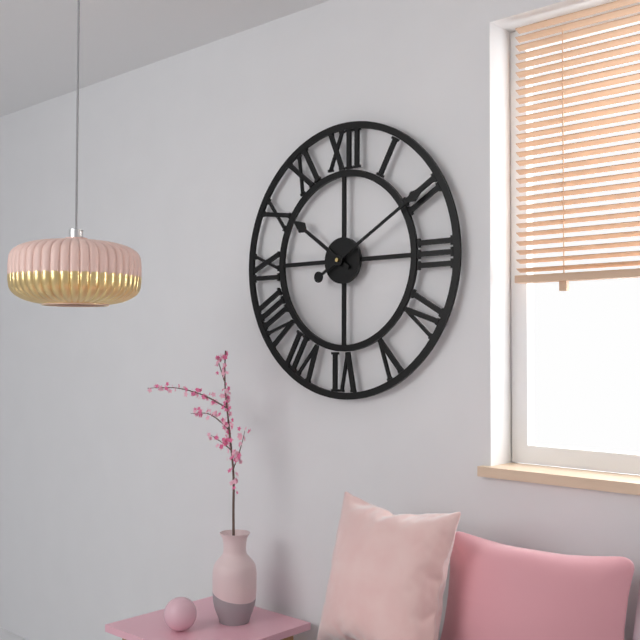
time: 10:10
